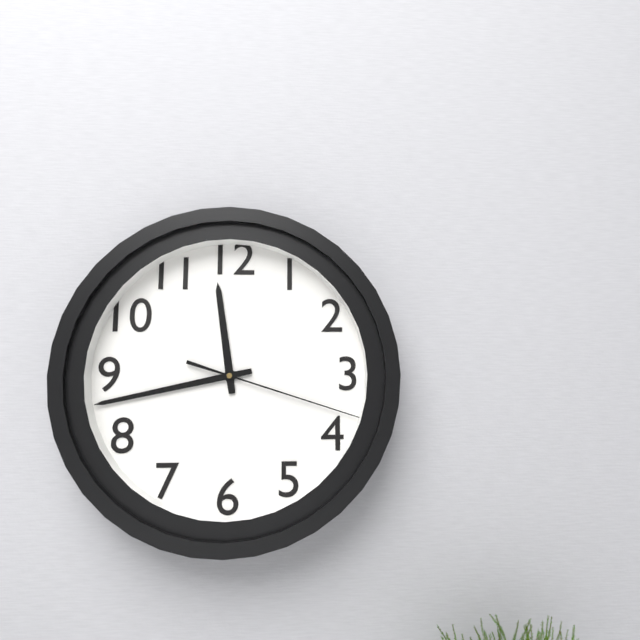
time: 11:43:18
